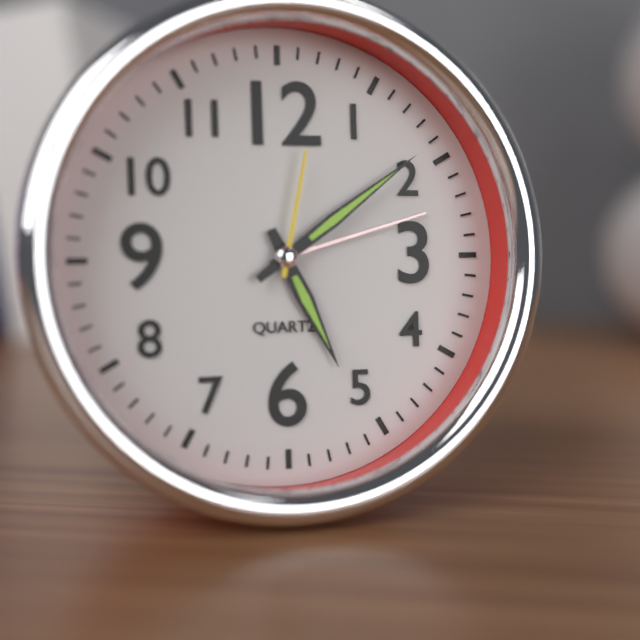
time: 5:09:02
